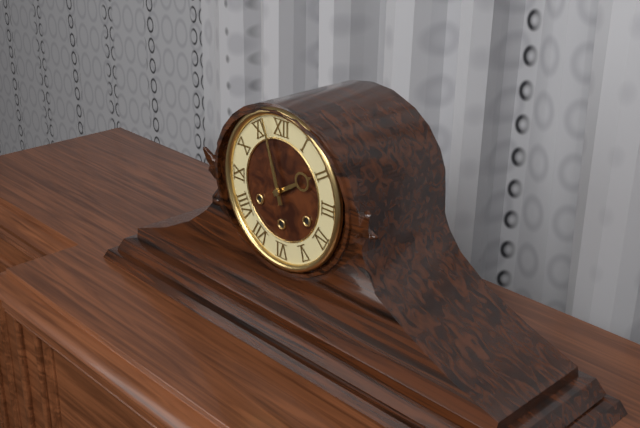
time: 1:57
